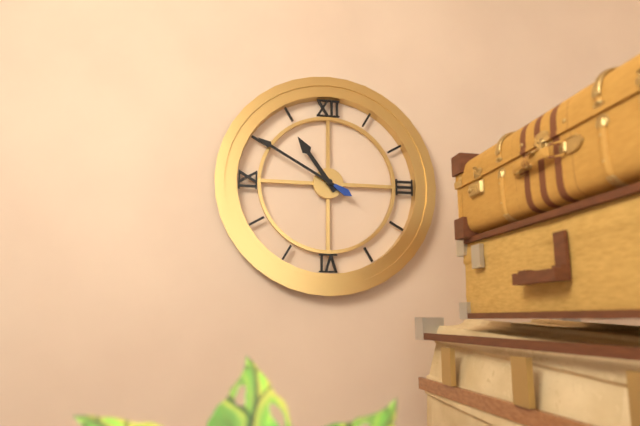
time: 10:50
